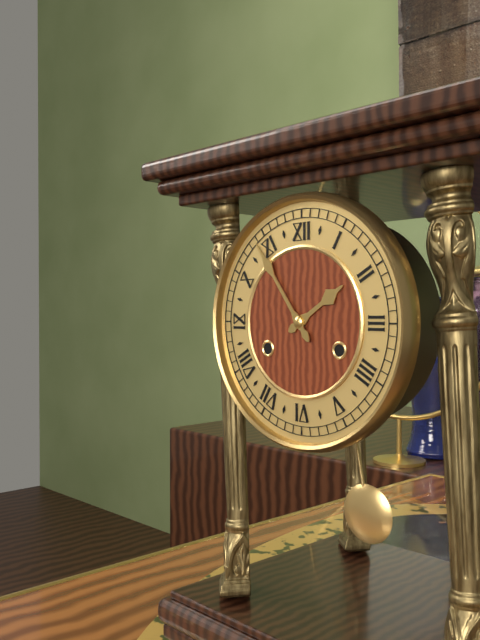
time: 1:54
